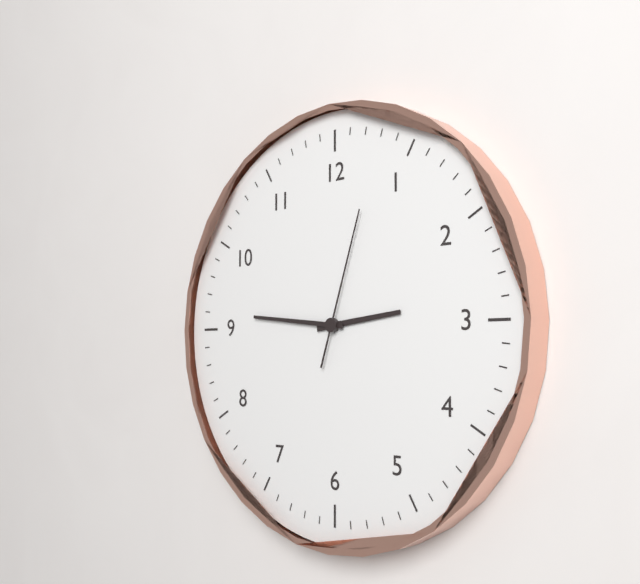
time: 2:46:03
